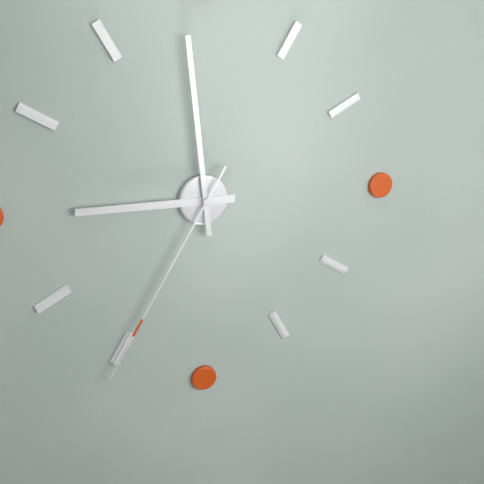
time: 8:59:35
